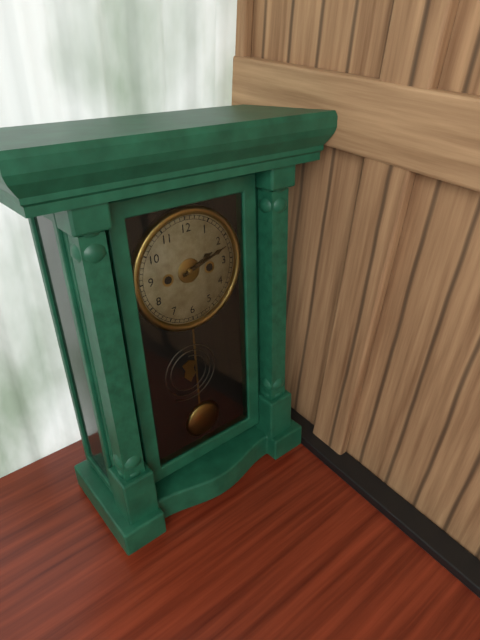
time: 2:12
